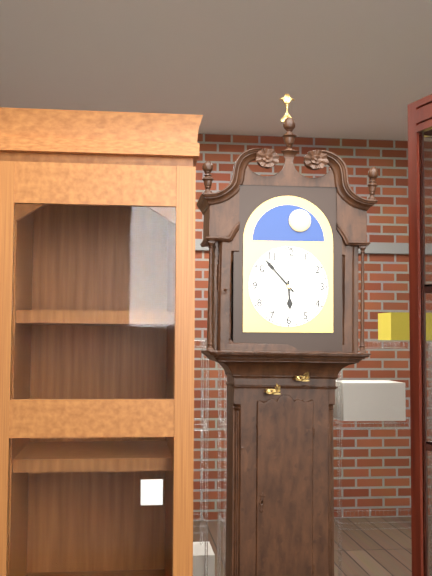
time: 5:53
